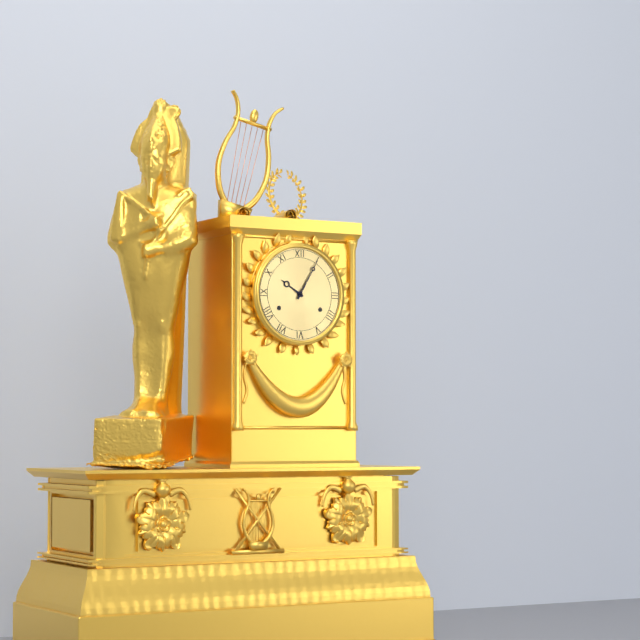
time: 10:05
